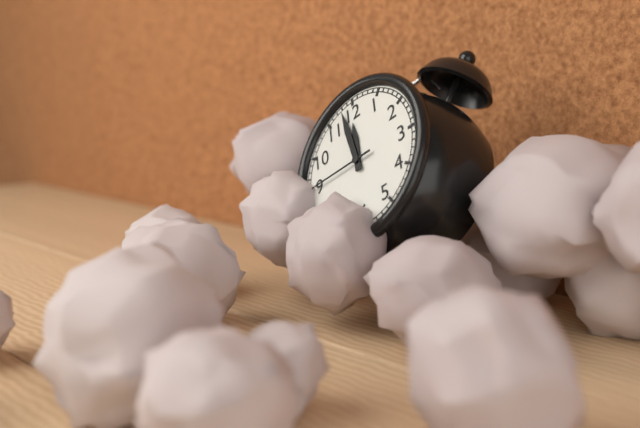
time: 11:58:45
